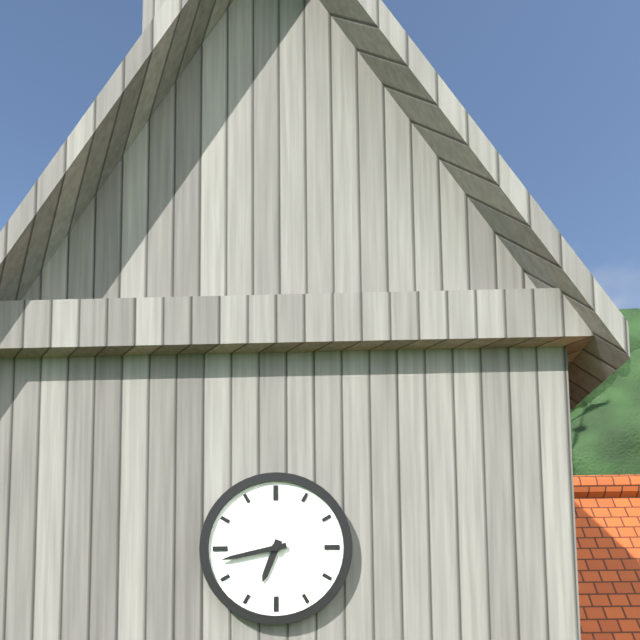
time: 6:43
